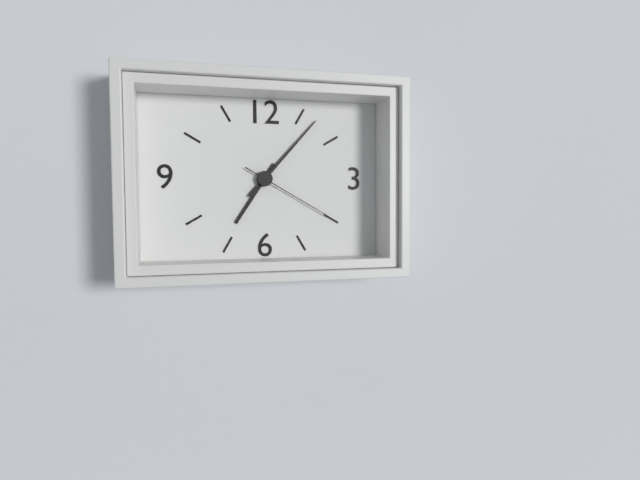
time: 7:07:20
